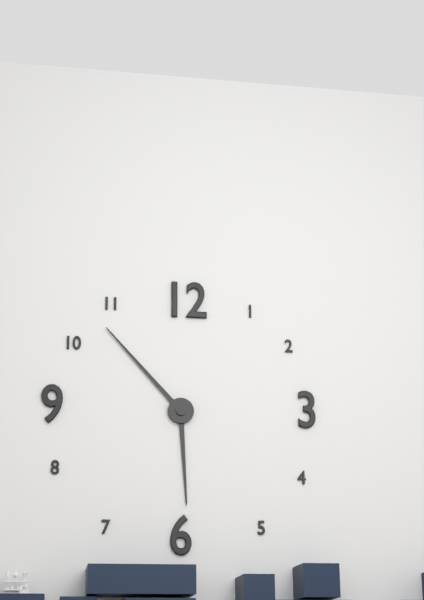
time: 5:53
